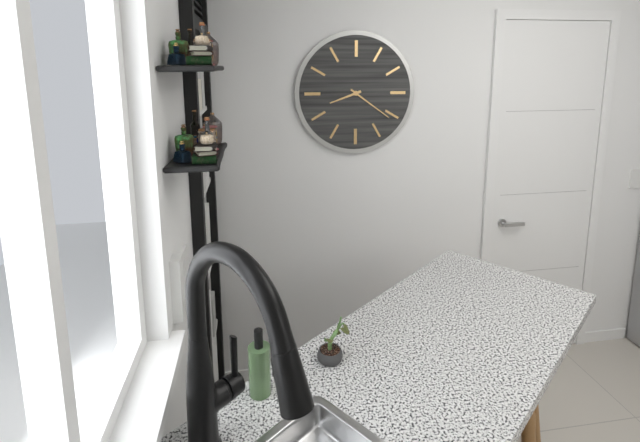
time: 8:21
